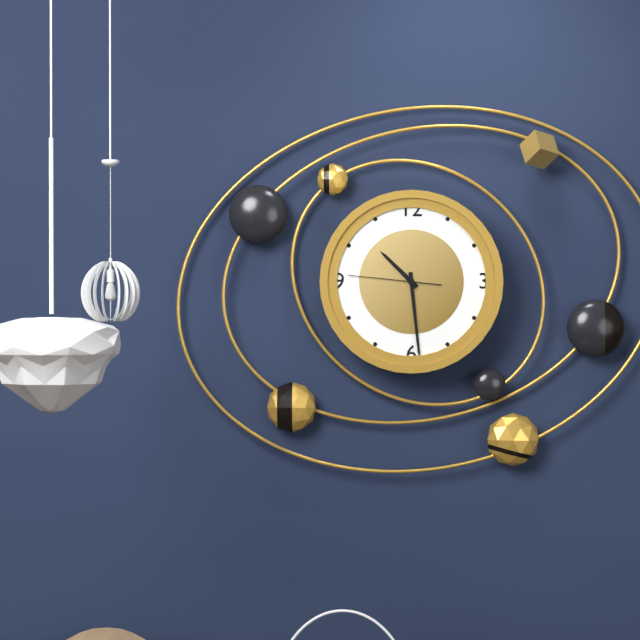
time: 10:29:46
